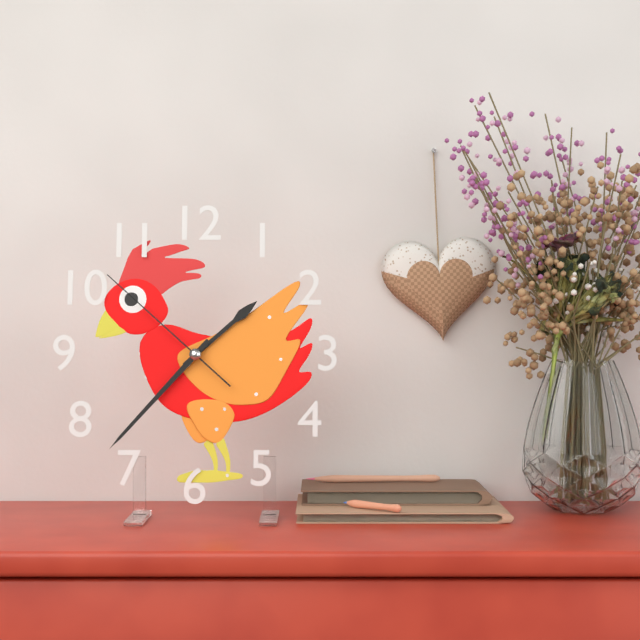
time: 1:37:52
